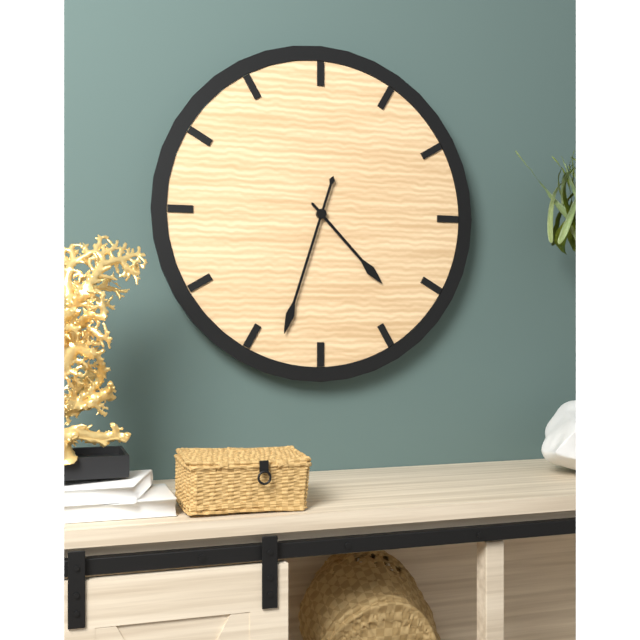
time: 4:33
